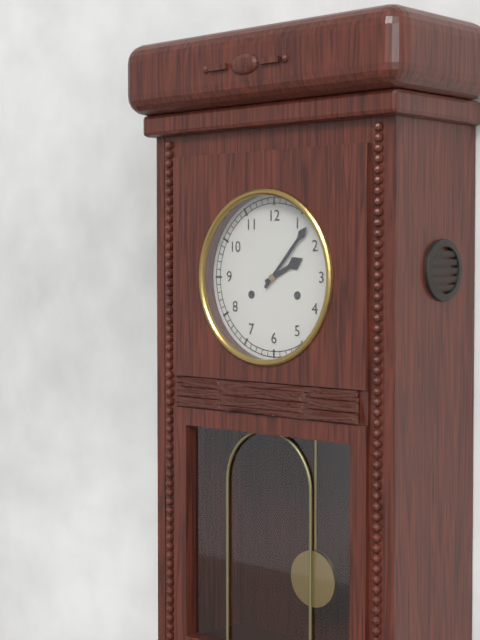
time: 2:07
